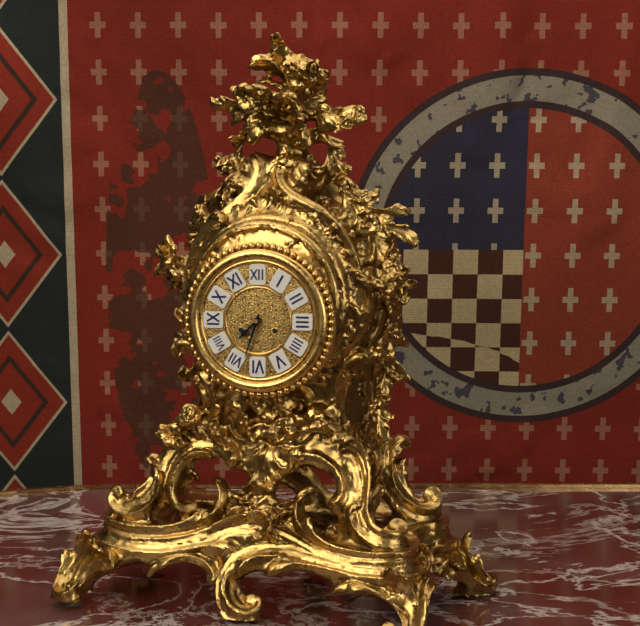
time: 7:33
